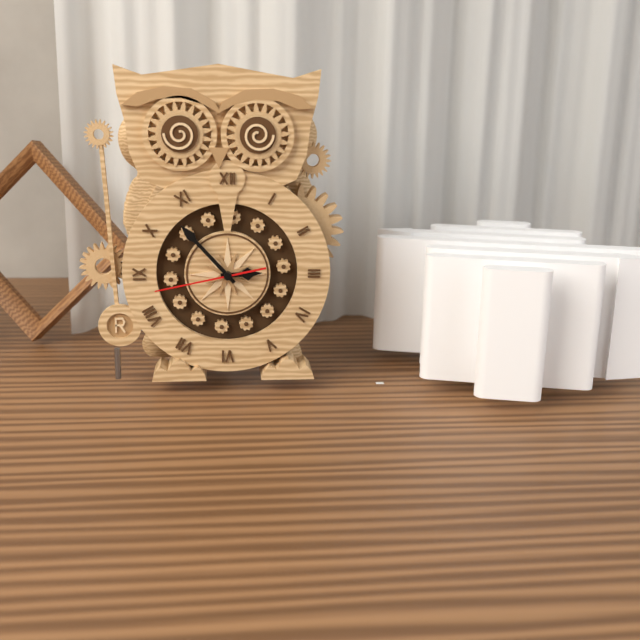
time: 2:53:43
